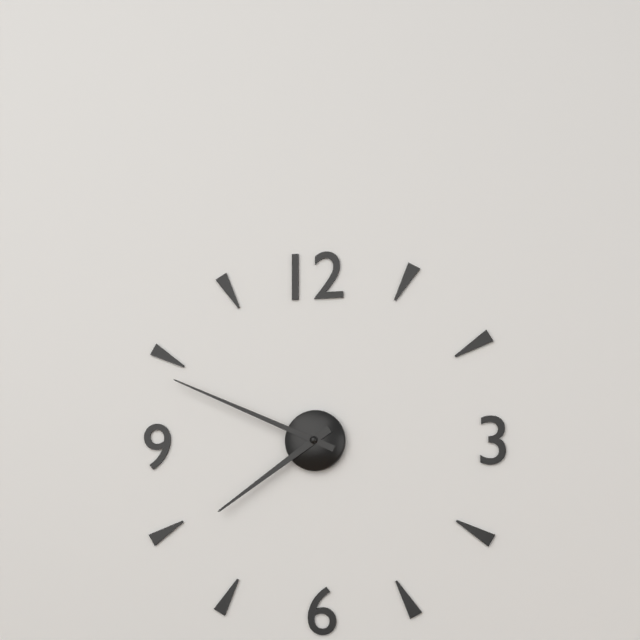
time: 7:49
